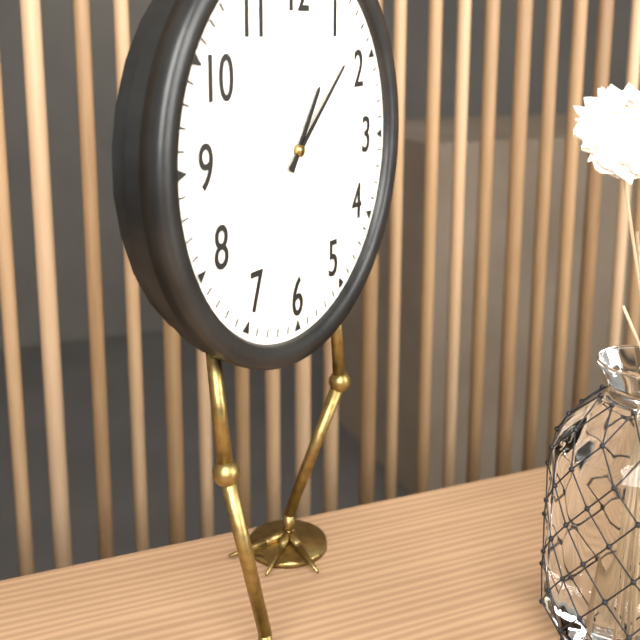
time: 1:08
